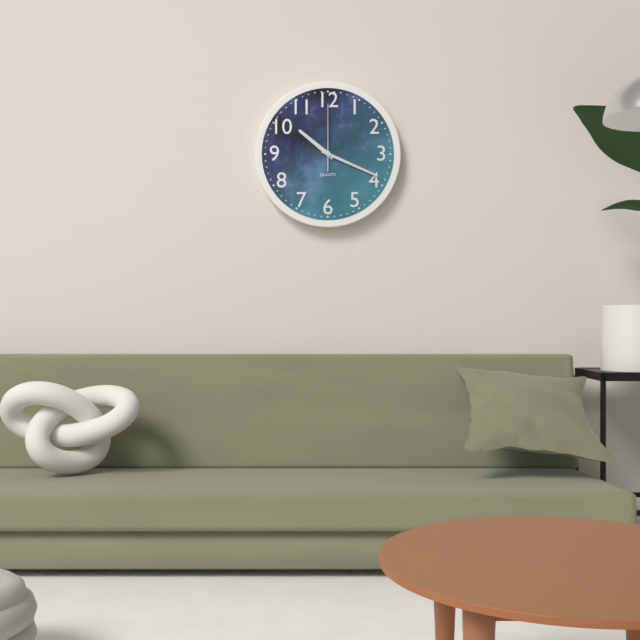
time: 10:19:00
